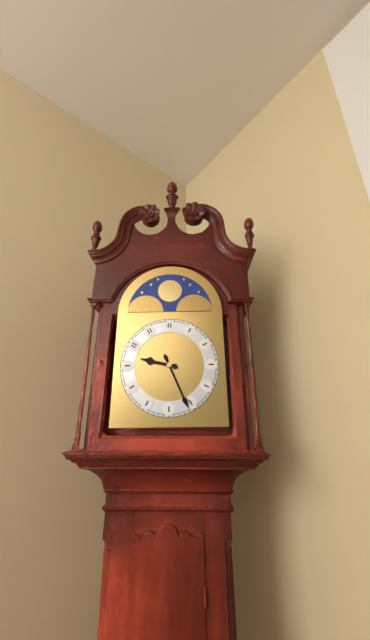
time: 9:26
